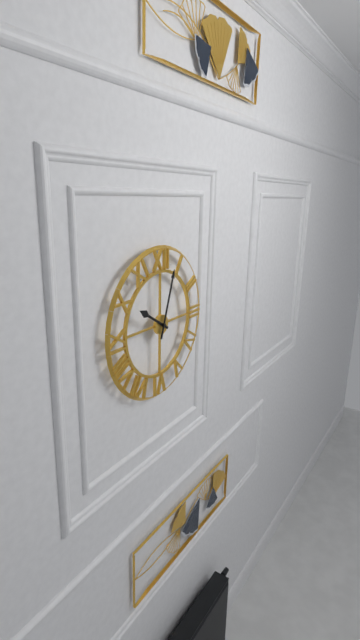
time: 10:03
